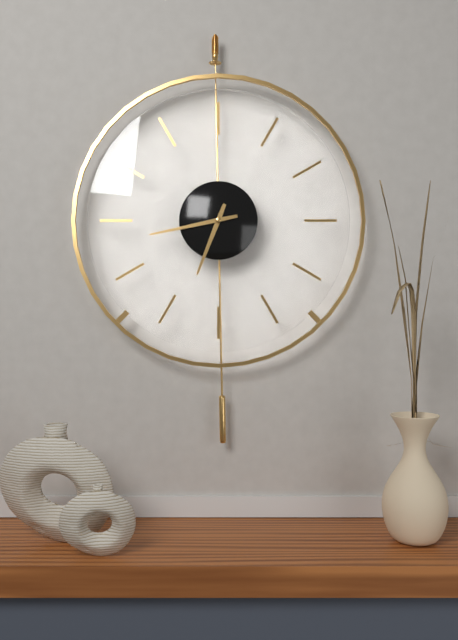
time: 6:43
